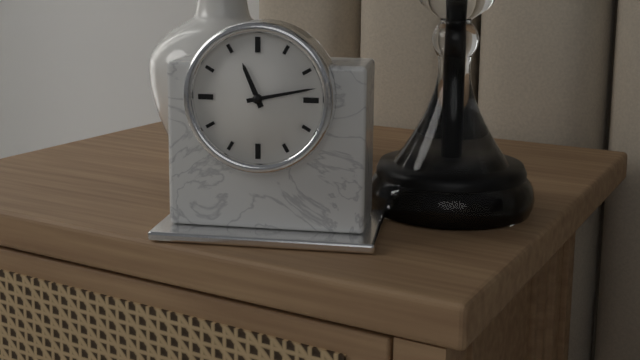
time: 11:13
